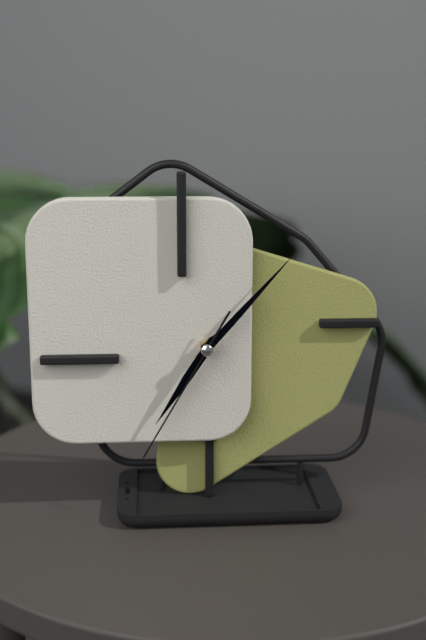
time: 7:07:35
